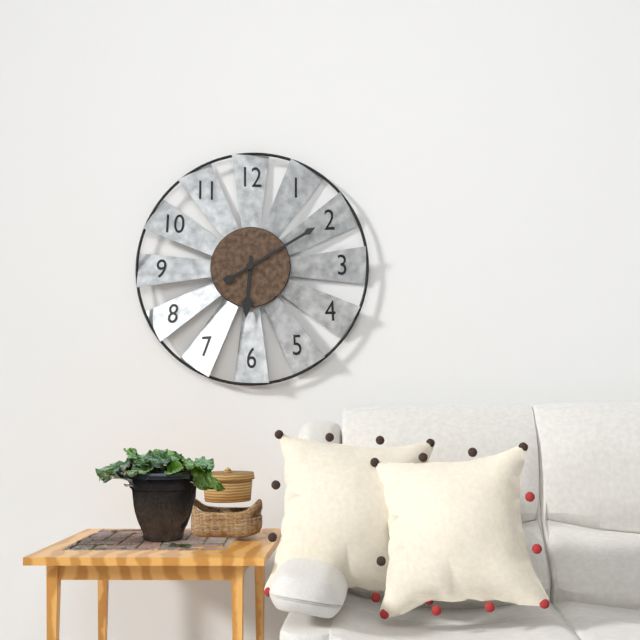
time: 6:10
